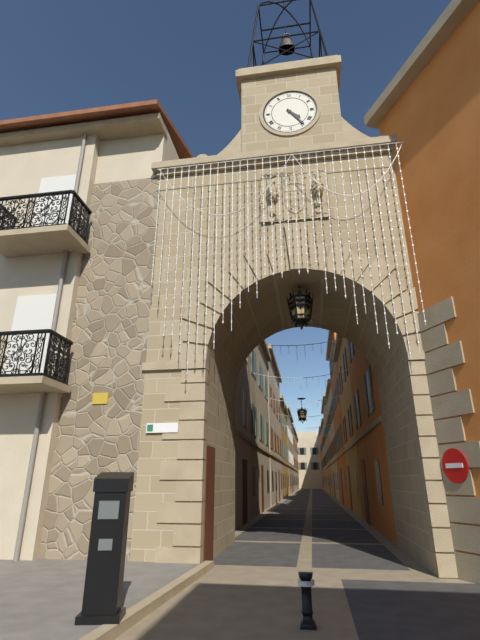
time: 4:24
